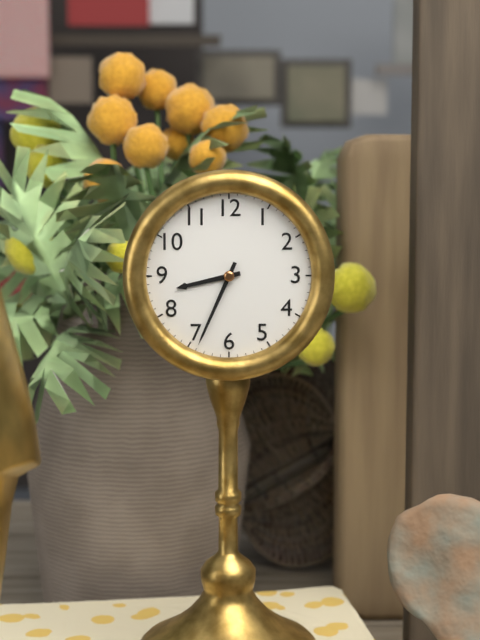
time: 8:34
